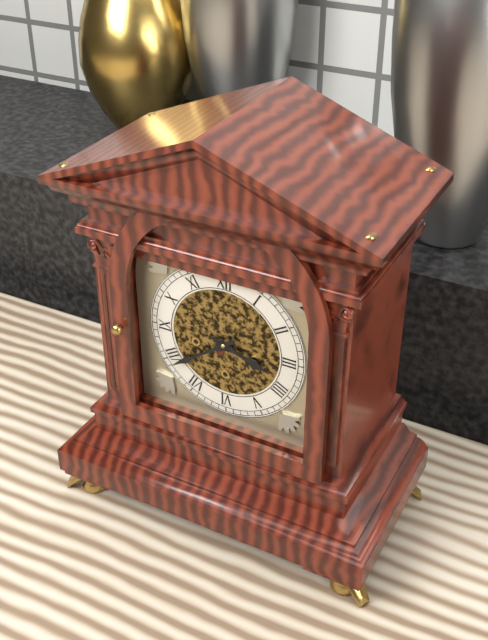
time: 3:39
